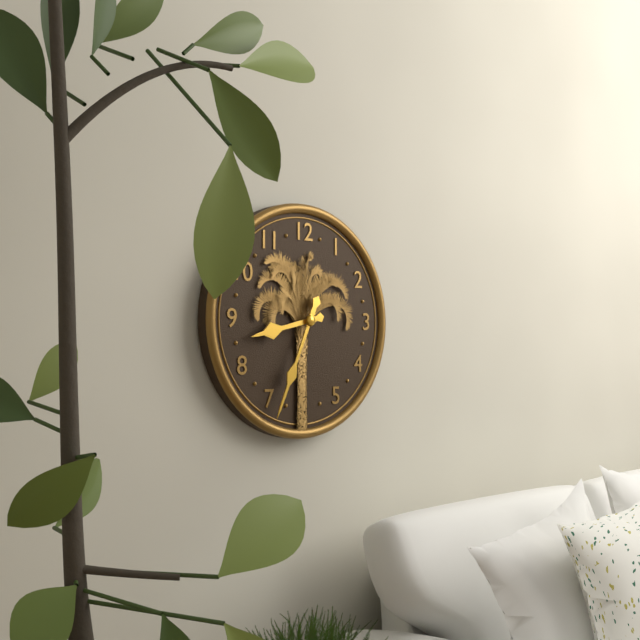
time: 8:34
